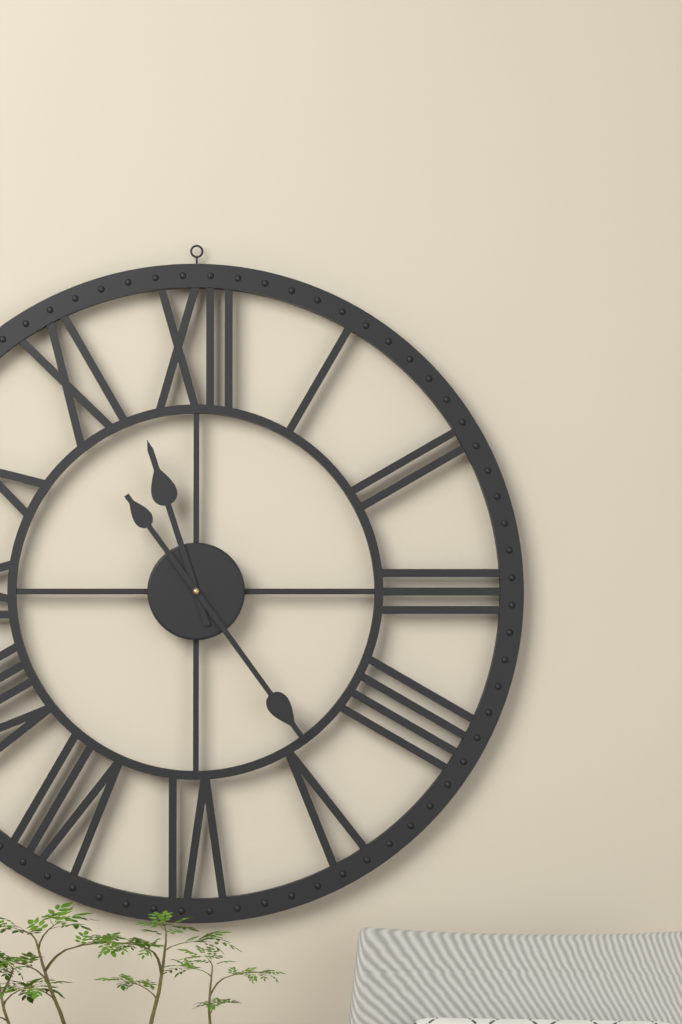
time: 11:24
